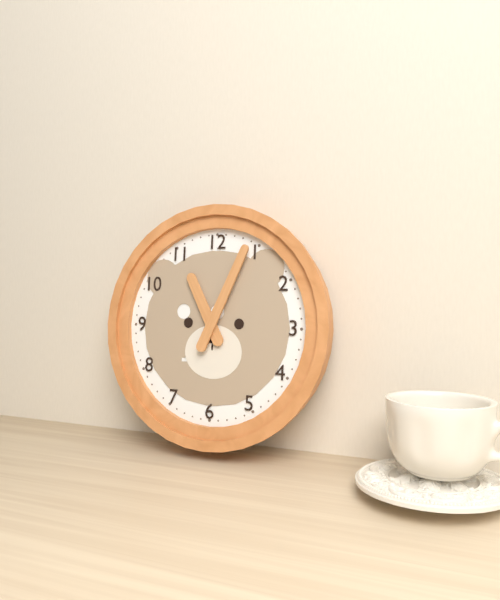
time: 11:04
